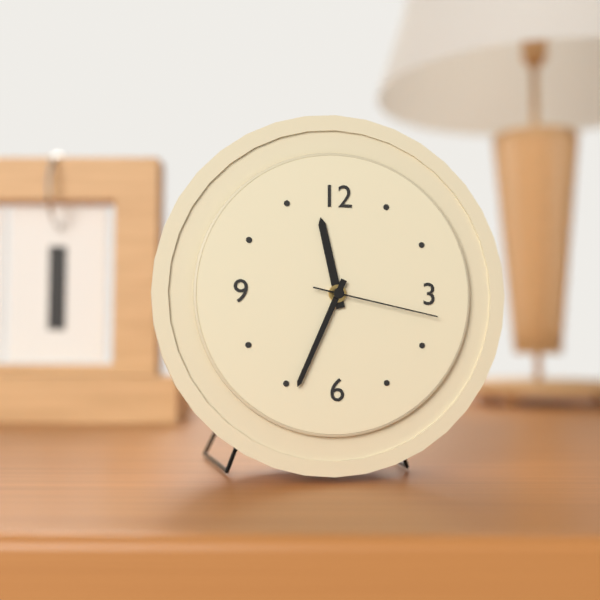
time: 11:34:17
